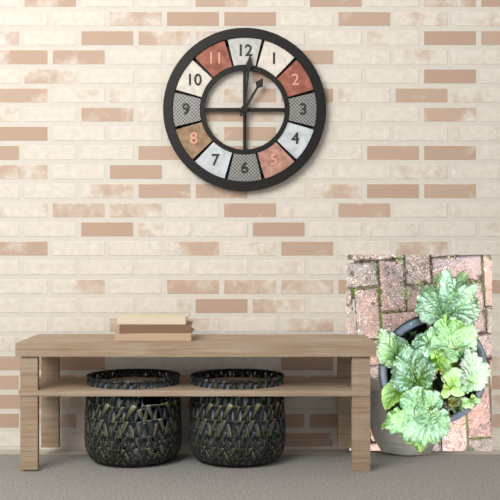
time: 1:01
